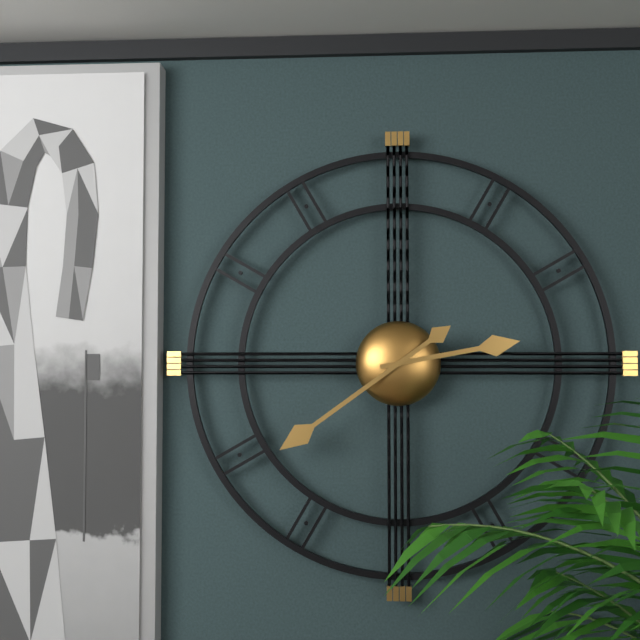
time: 2:39
